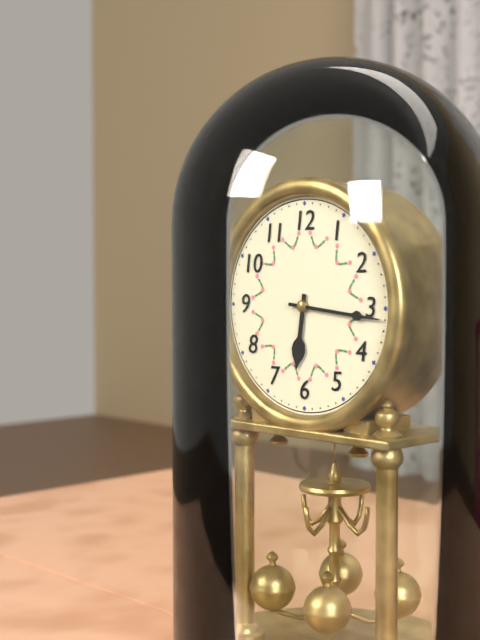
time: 6:16
